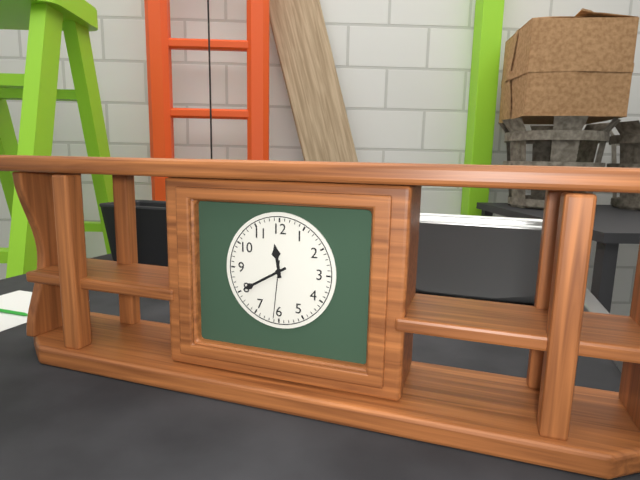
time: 11:40:31
